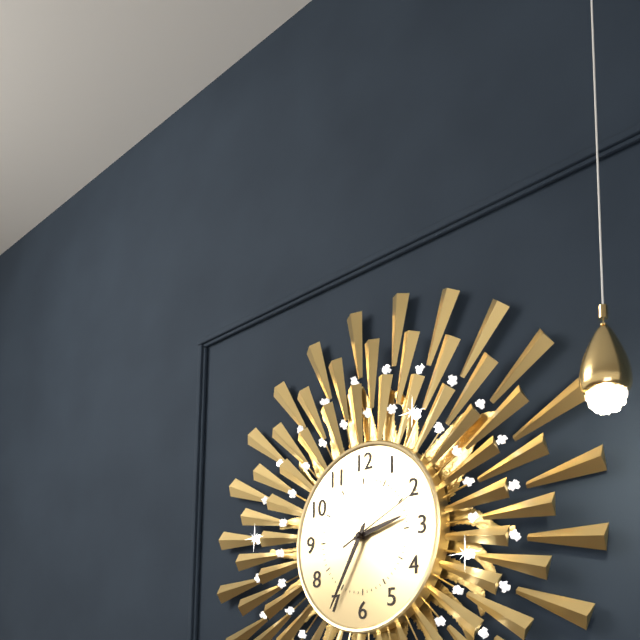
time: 2:35:11
